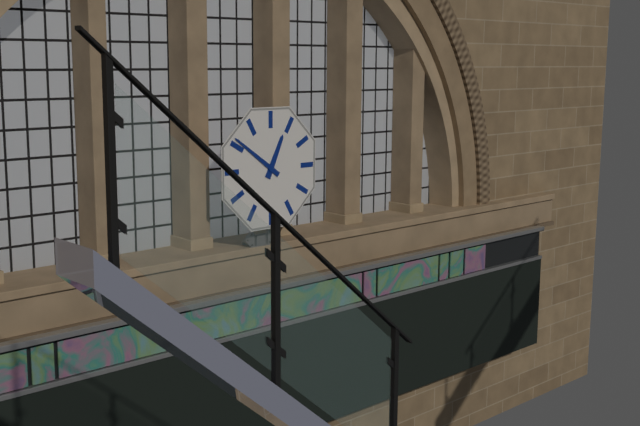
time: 12:51
